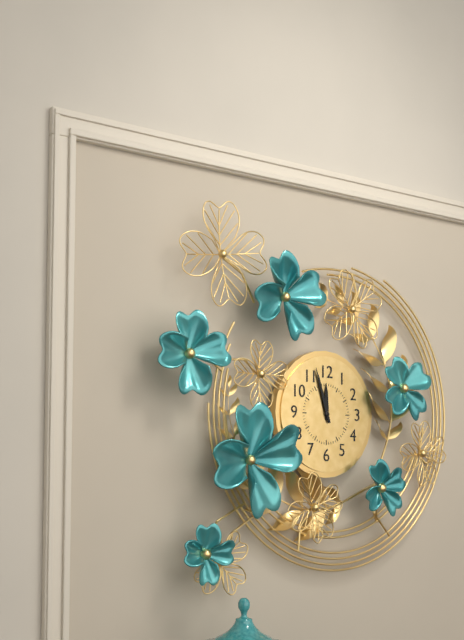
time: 11:57
